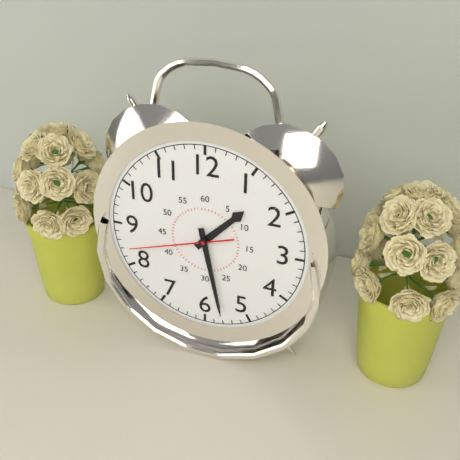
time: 1:28:42
